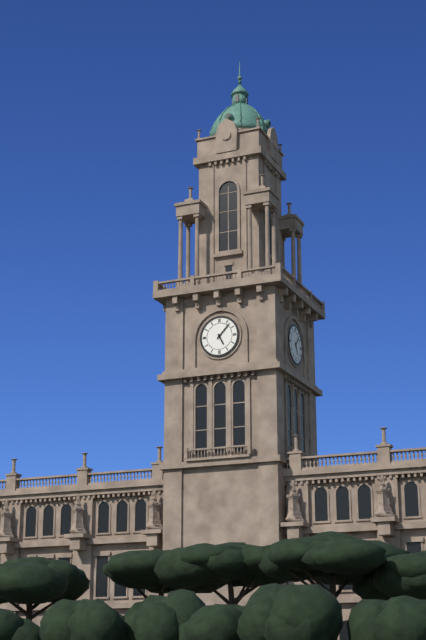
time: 5:07
